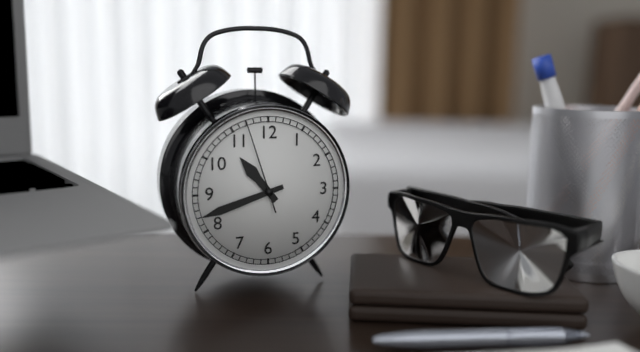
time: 10:42:57
